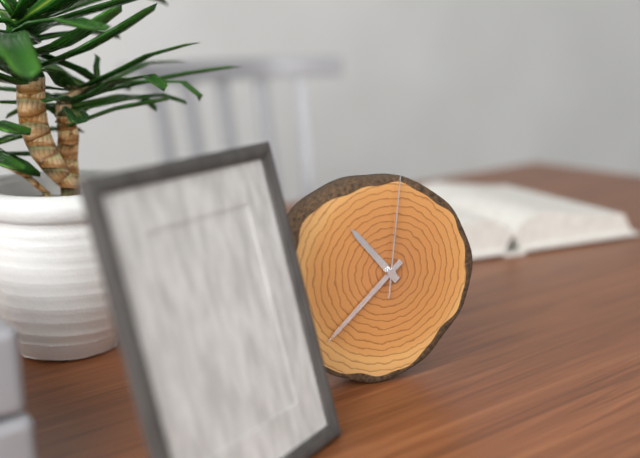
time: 10:38:01
